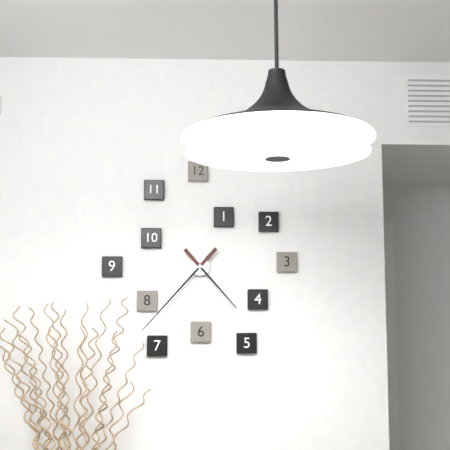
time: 4:37
